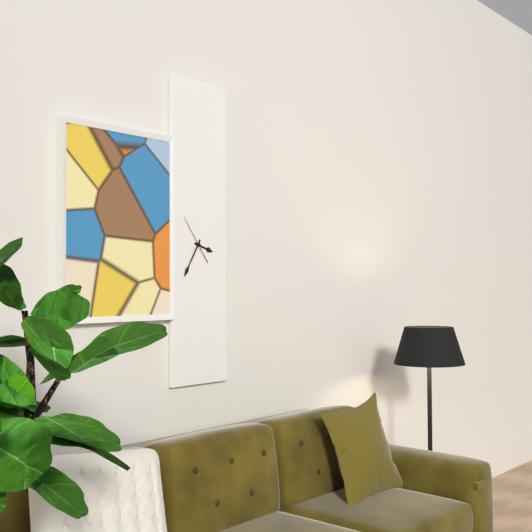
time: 3:35
